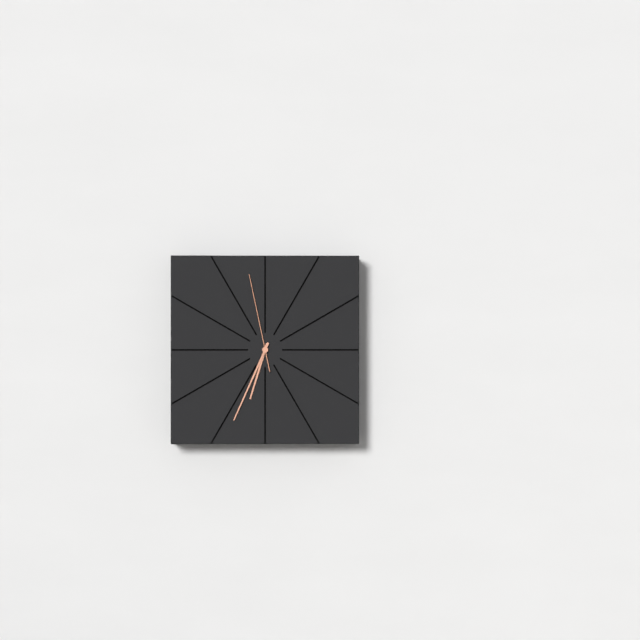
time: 6:34:58
